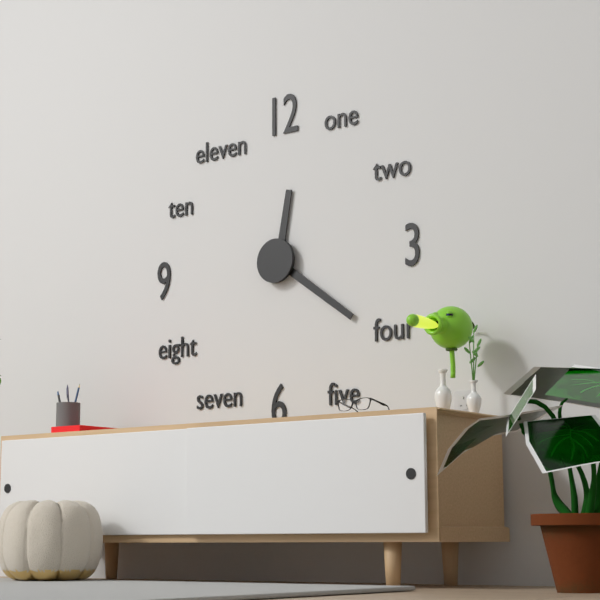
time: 12:21
